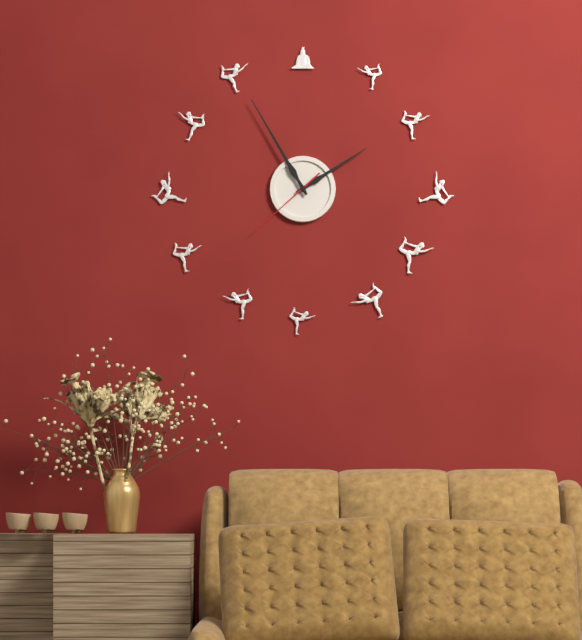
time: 1:55:38
